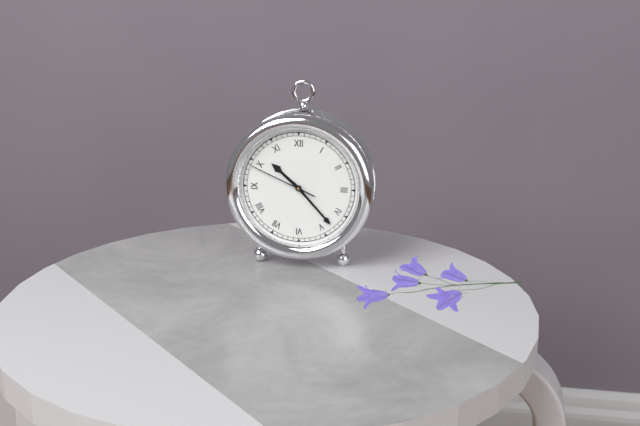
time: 10:23:49
